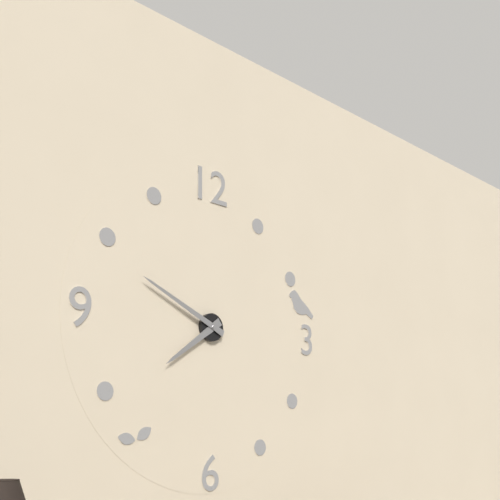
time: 7:49
